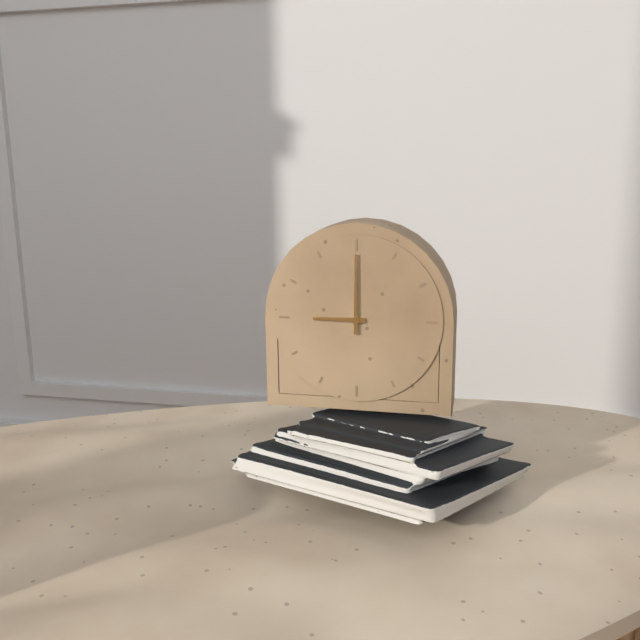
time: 9:00
